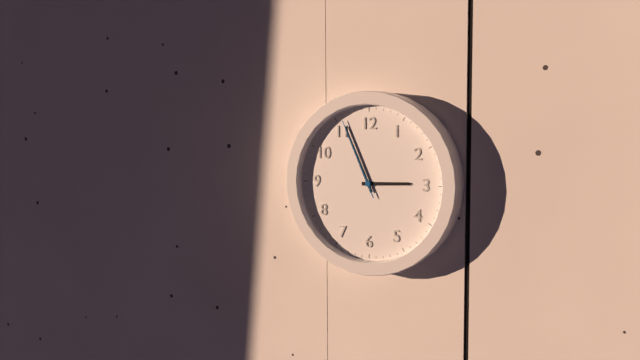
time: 2:56:56
